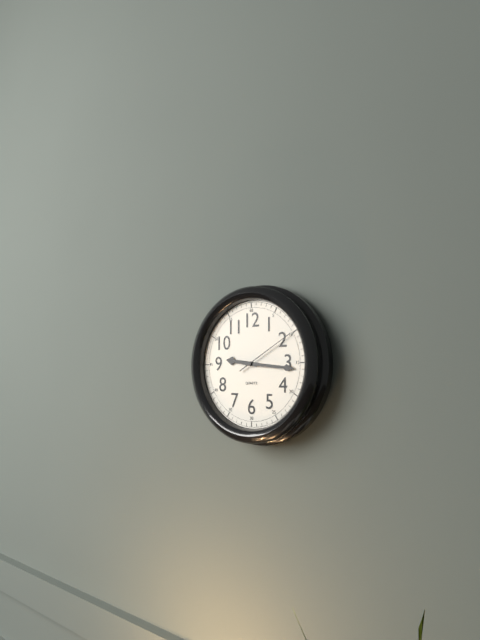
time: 9:16:10
